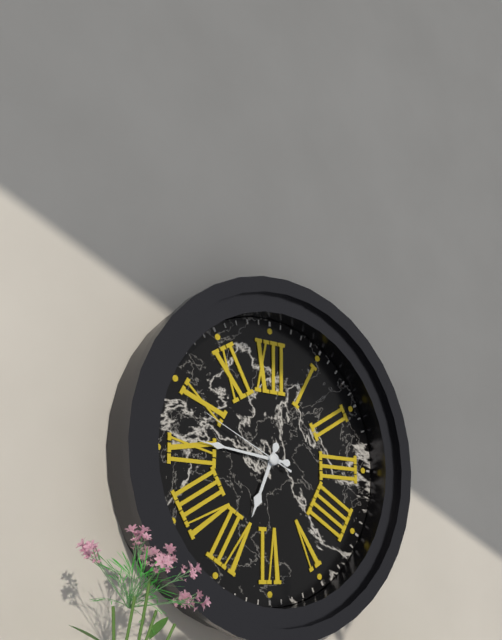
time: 6:46:49
